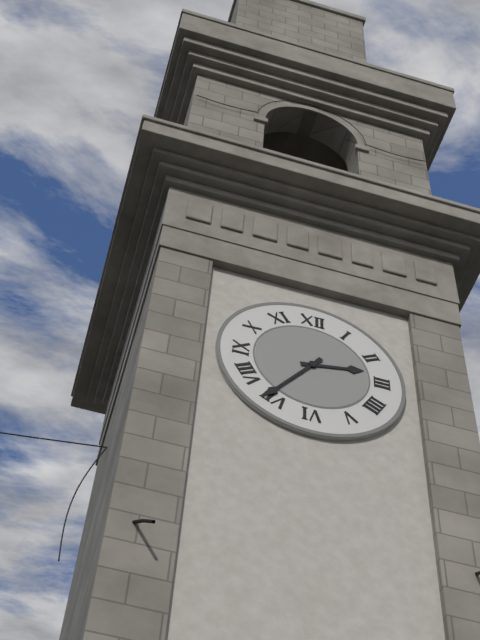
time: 2:36
